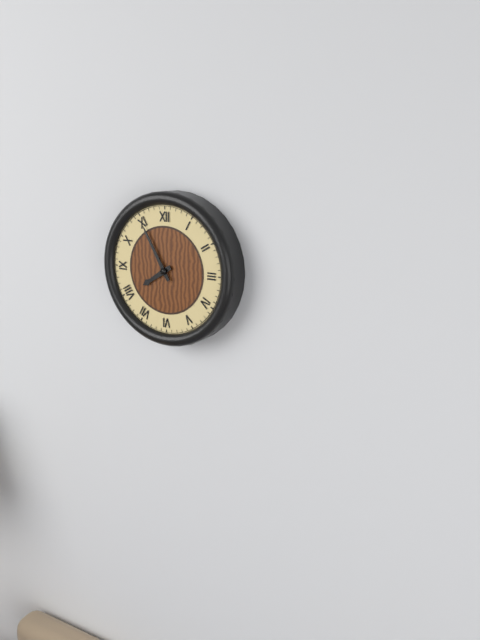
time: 7:55
